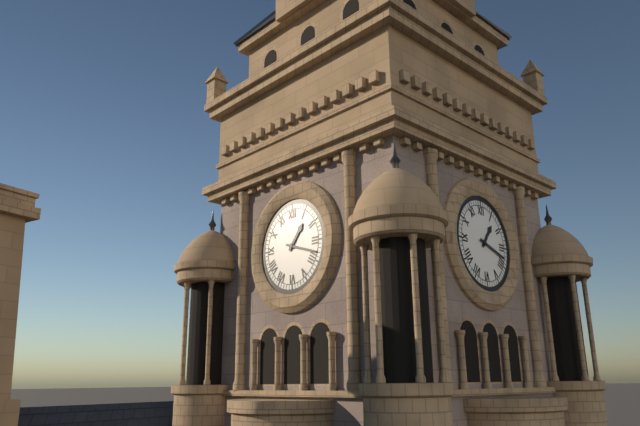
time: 1:18
